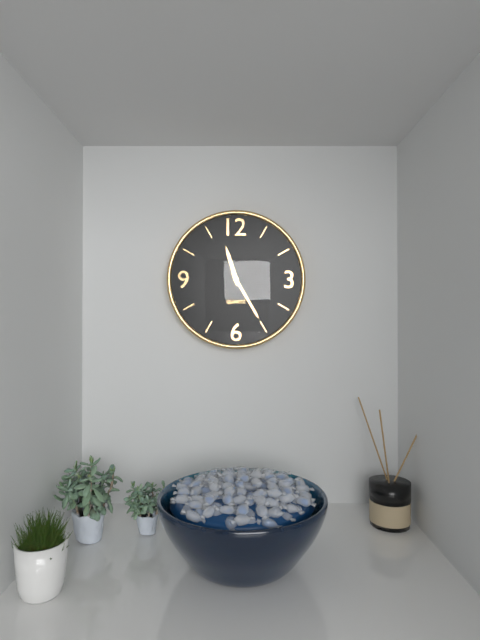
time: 11:25
